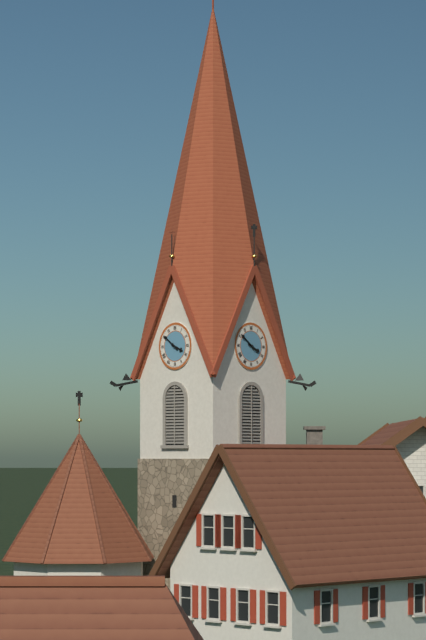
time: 3:51
